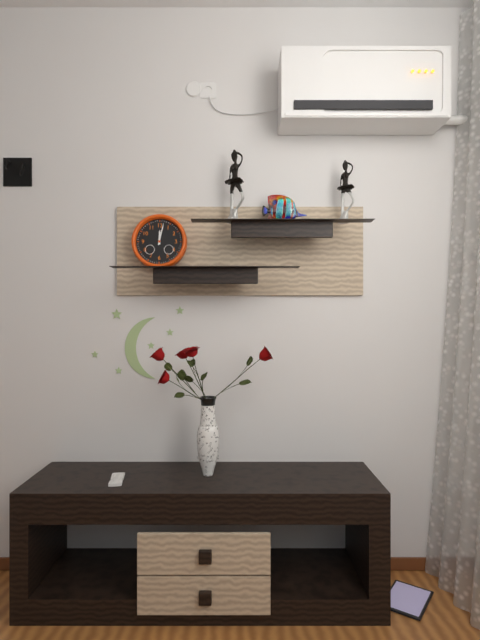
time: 12:02
